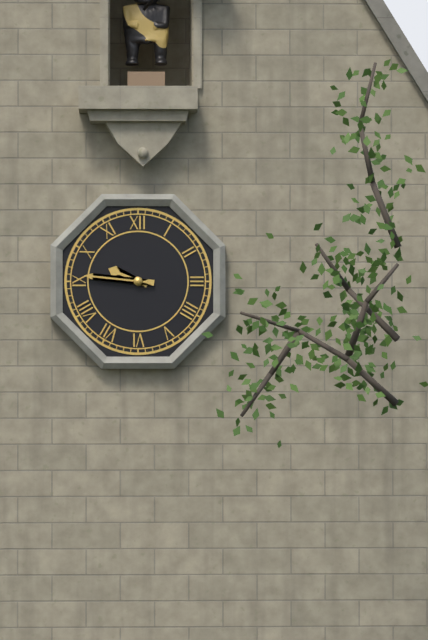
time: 9:46
